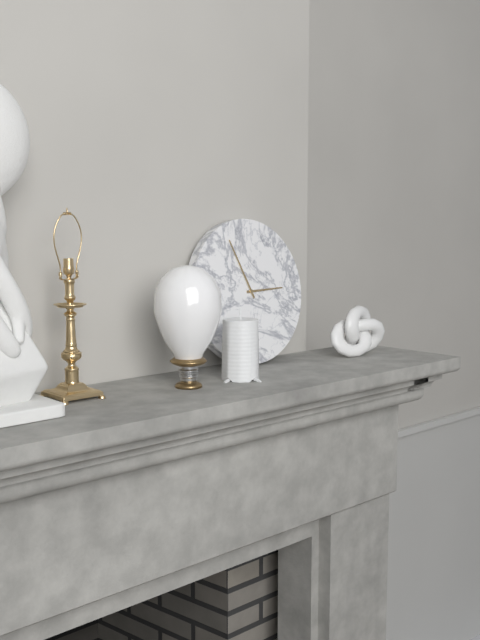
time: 2:56
